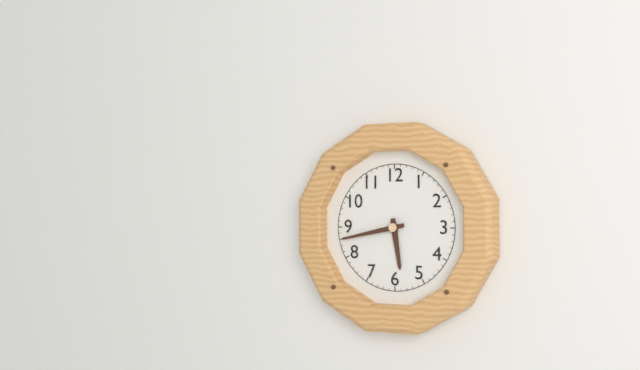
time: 5:43
